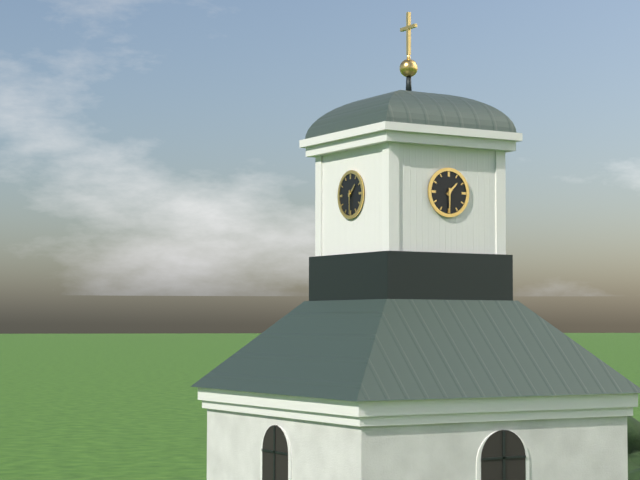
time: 1:30
